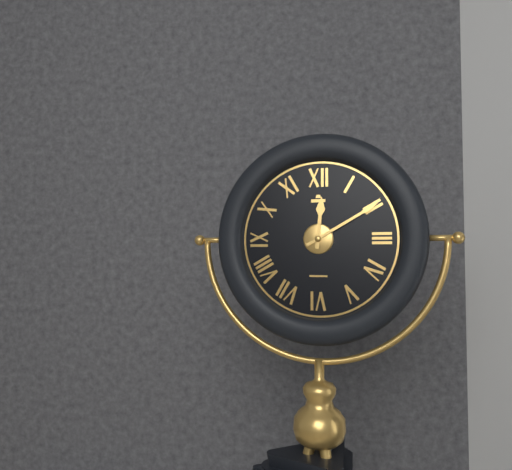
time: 12:10
